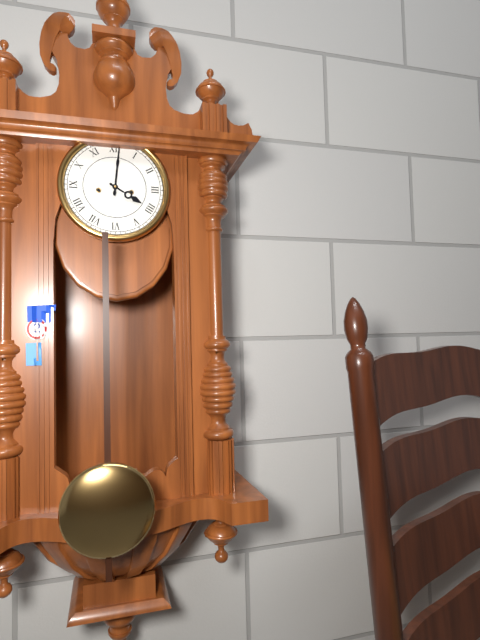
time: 4:01
